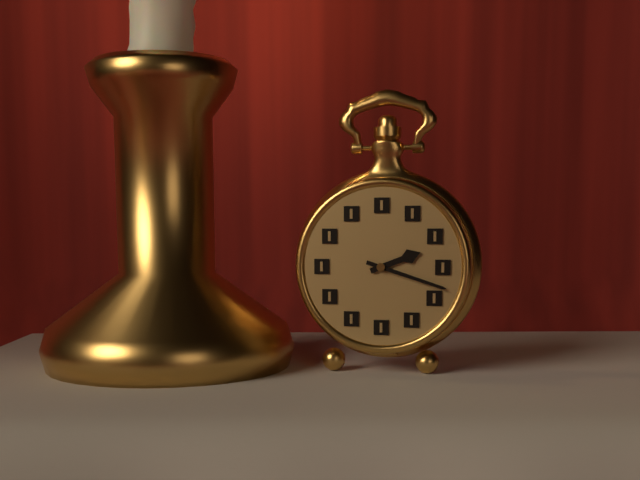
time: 2:18
